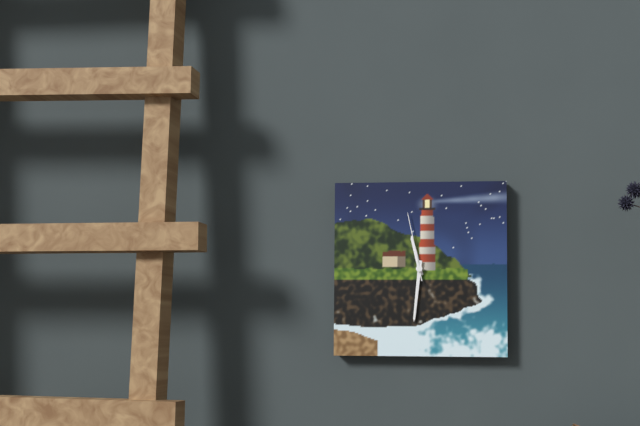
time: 11:31:58
